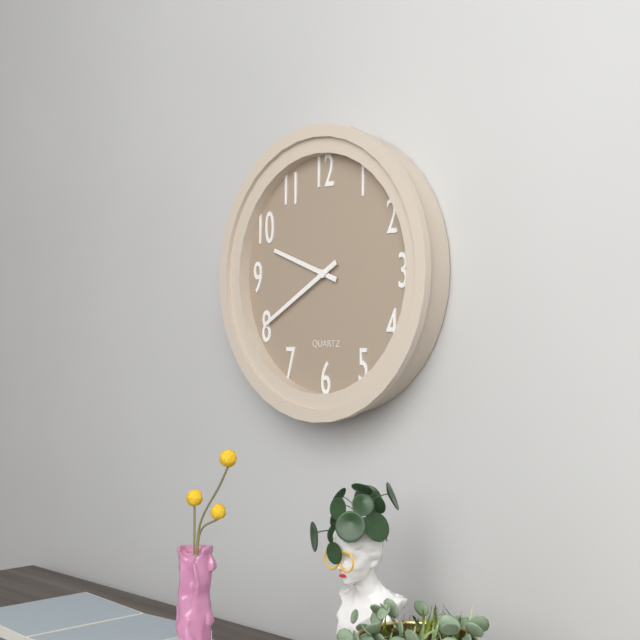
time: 9:40
